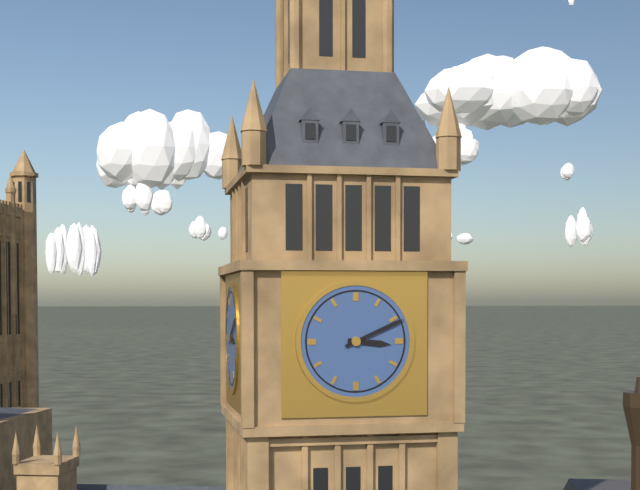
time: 3:11
